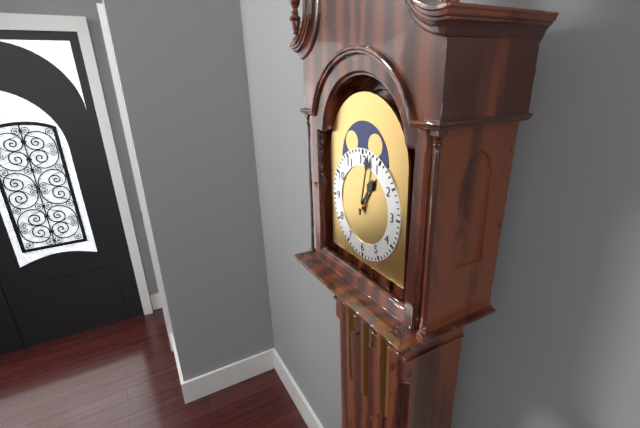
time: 1:02
